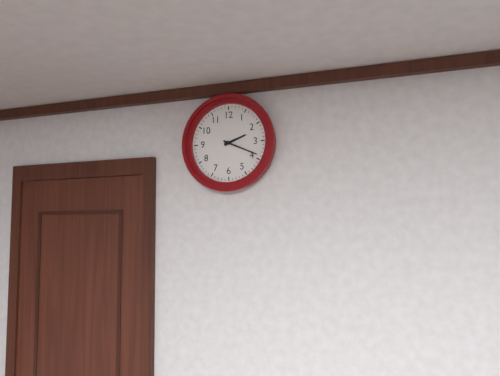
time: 2:19
